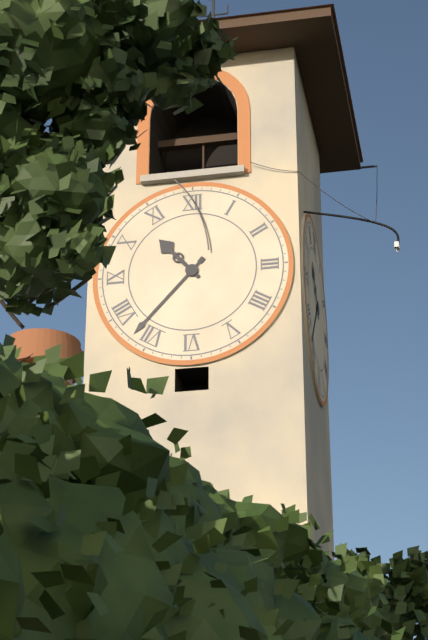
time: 10:37
